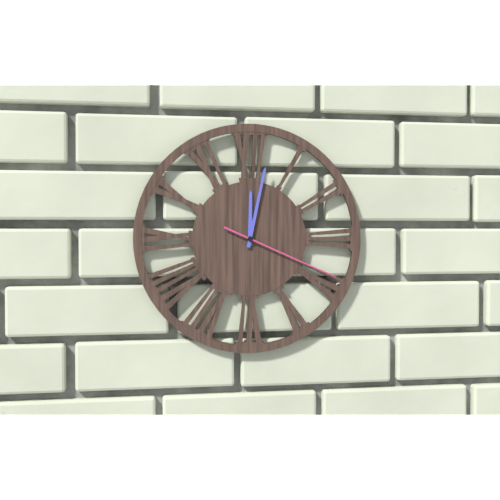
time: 12:02:19
